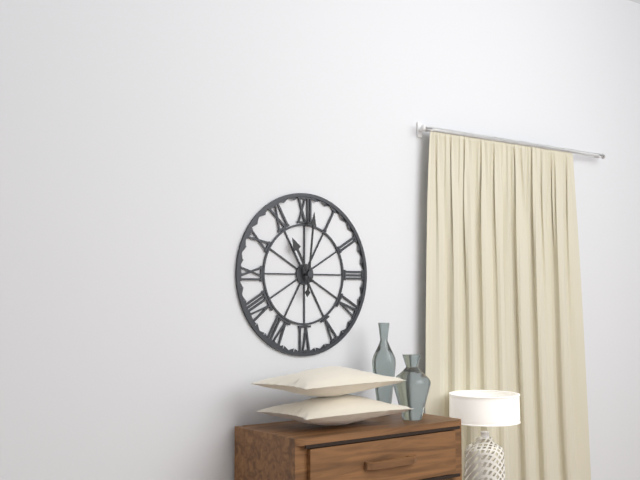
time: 11:01
